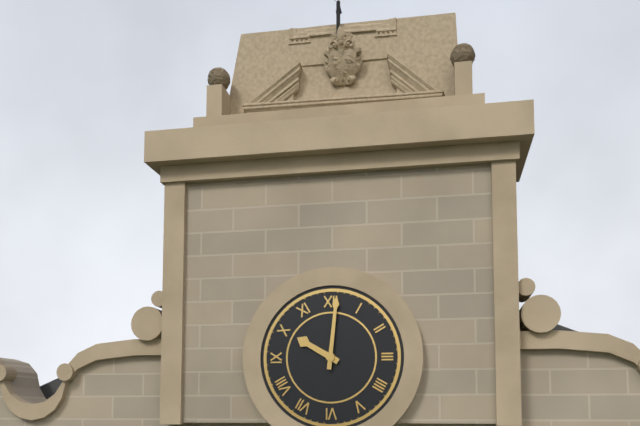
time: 10:01
